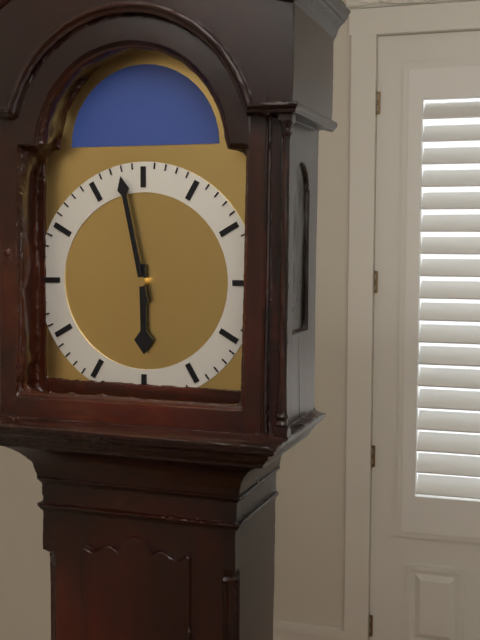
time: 5:58
